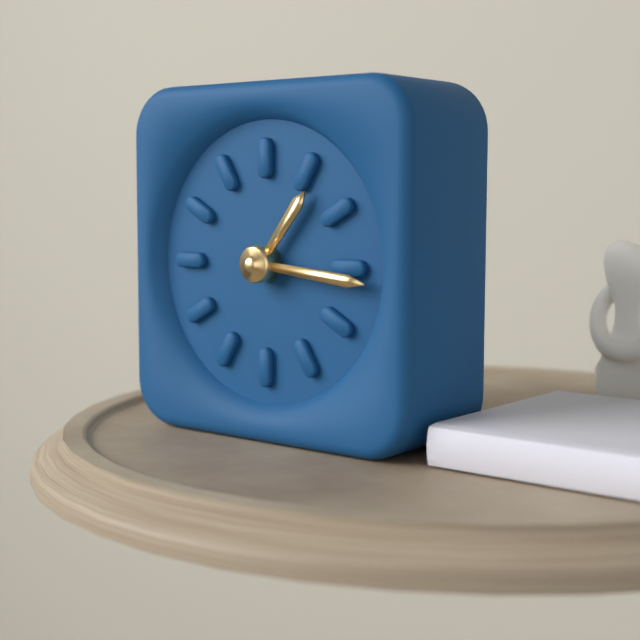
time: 1:16
